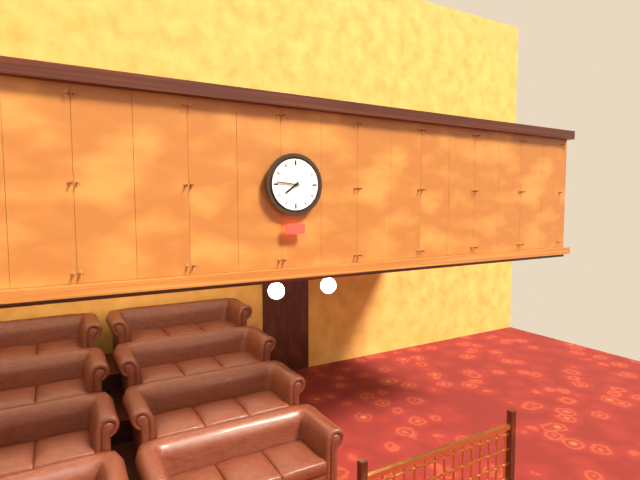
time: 7:46
